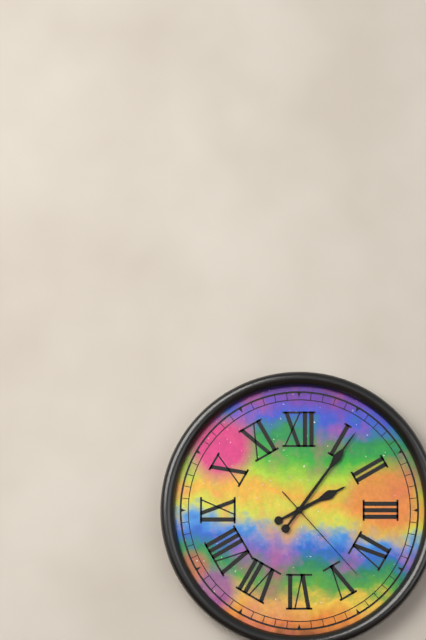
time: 2:06:23
